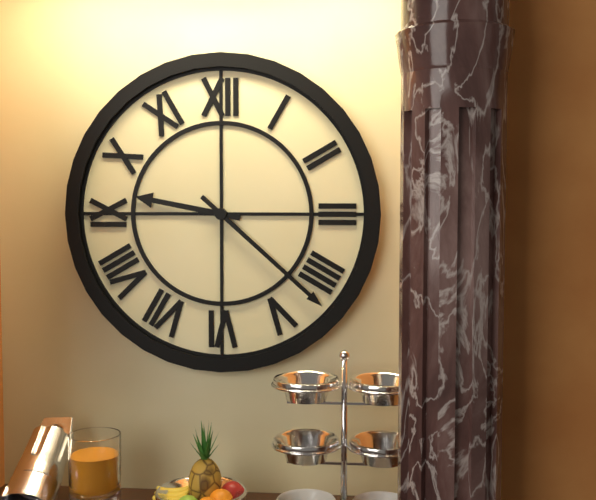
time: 9:22
